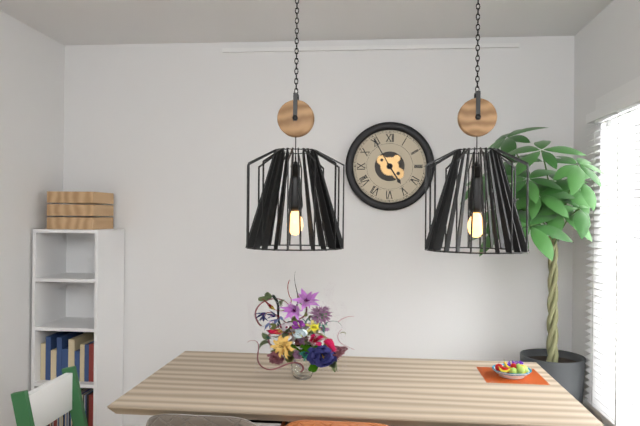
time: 4:55
